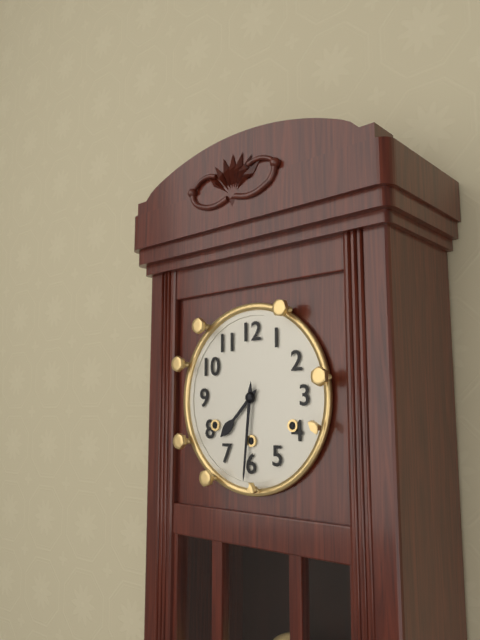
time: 7:31
